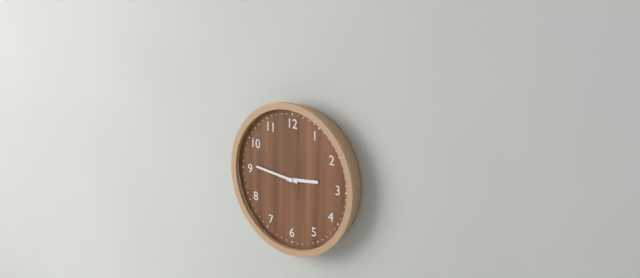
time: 2:46
